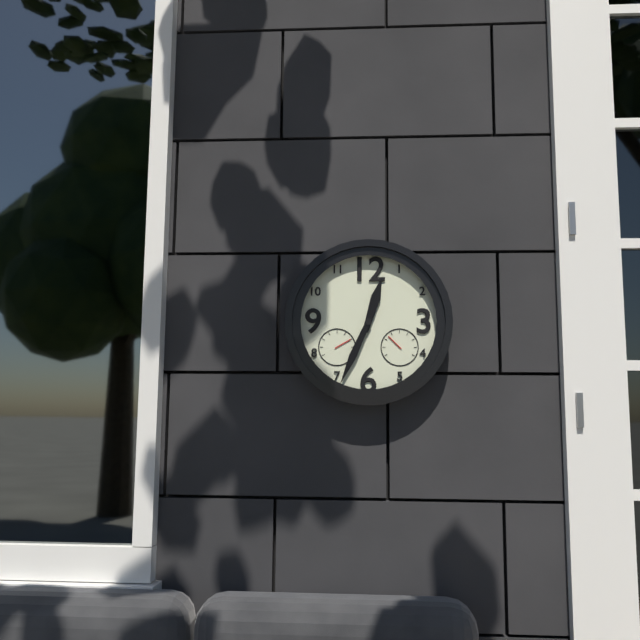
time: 12:34
